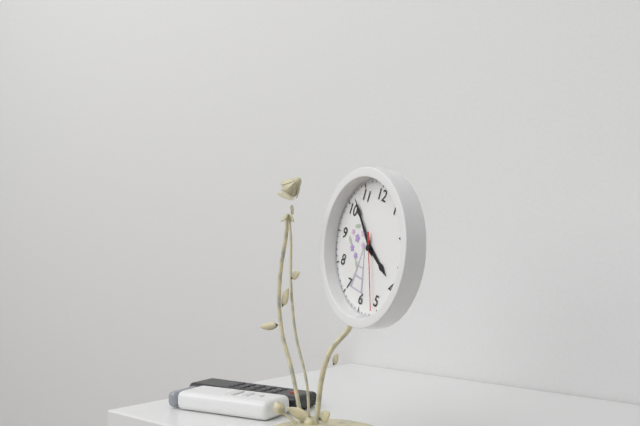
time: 3:52:26
